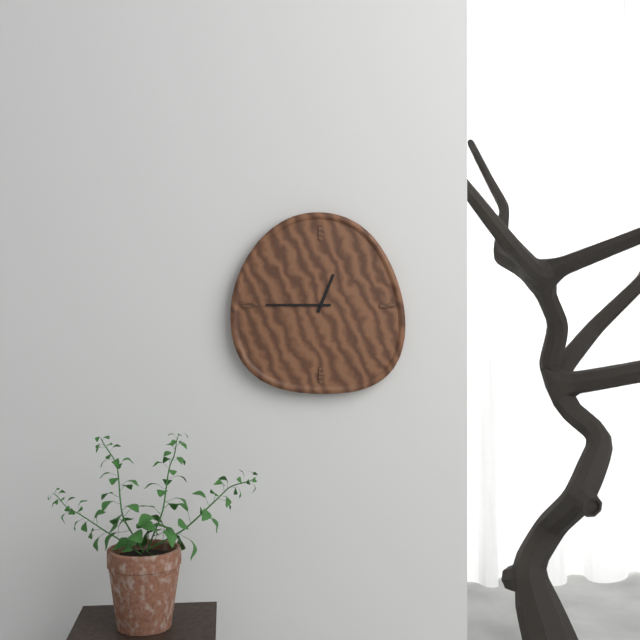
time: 12:45
